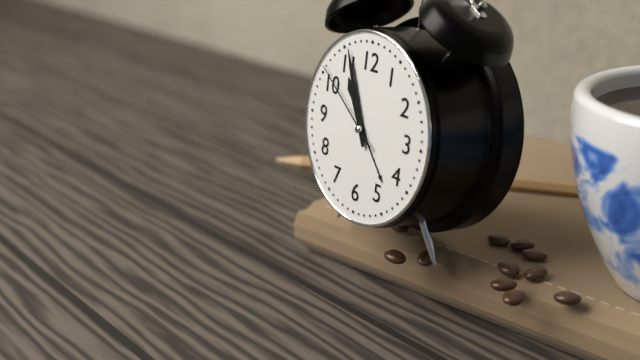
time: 10:56:51
